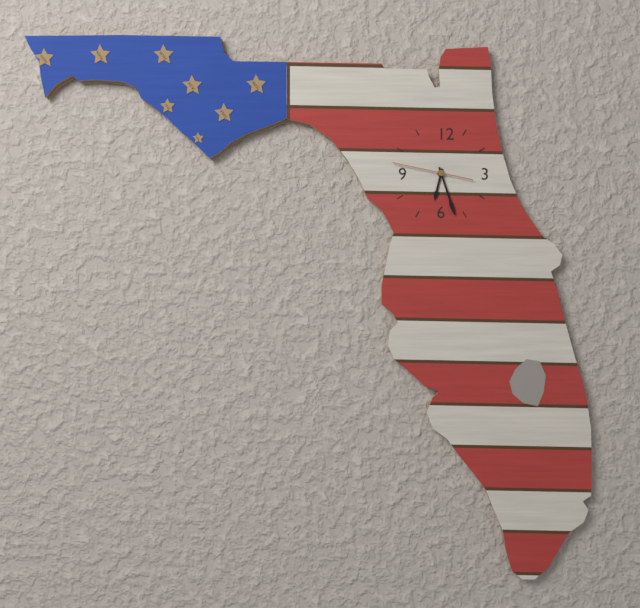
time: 6:27:47
